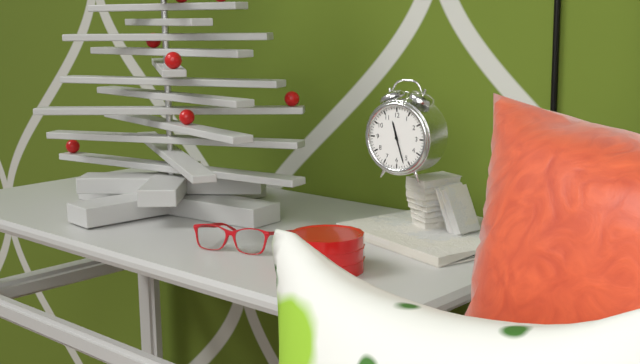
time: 11:27
